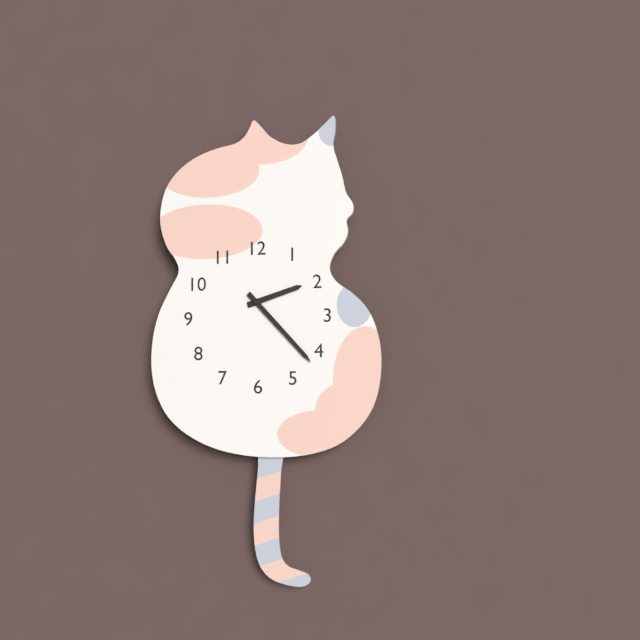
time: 2:23
